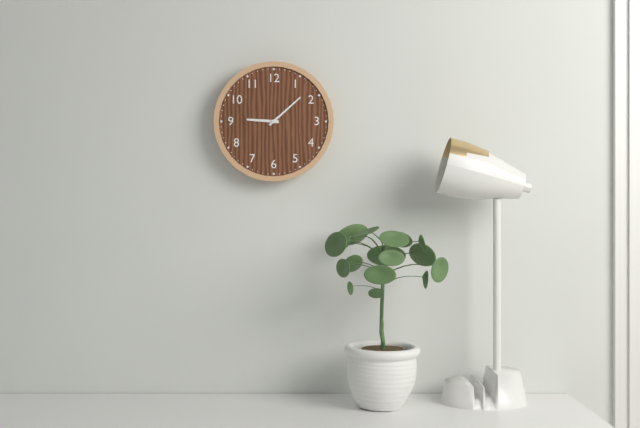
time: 9:08
